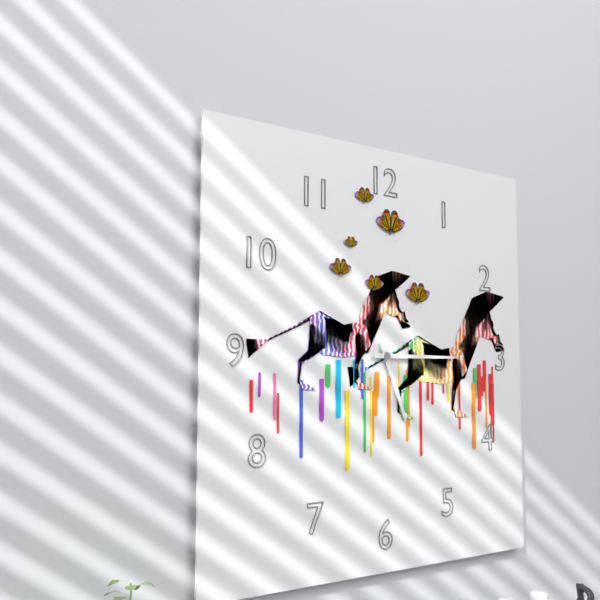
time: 5:15
